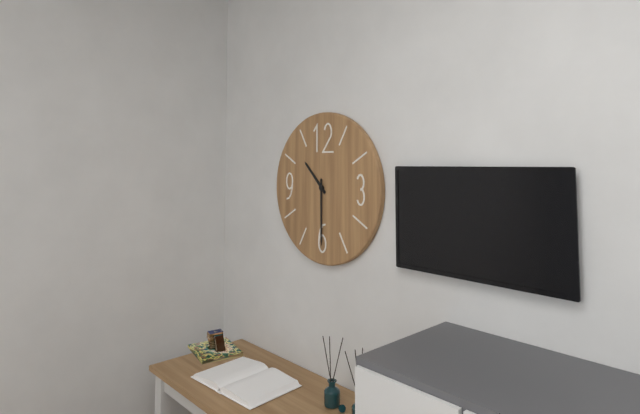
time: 10:30
